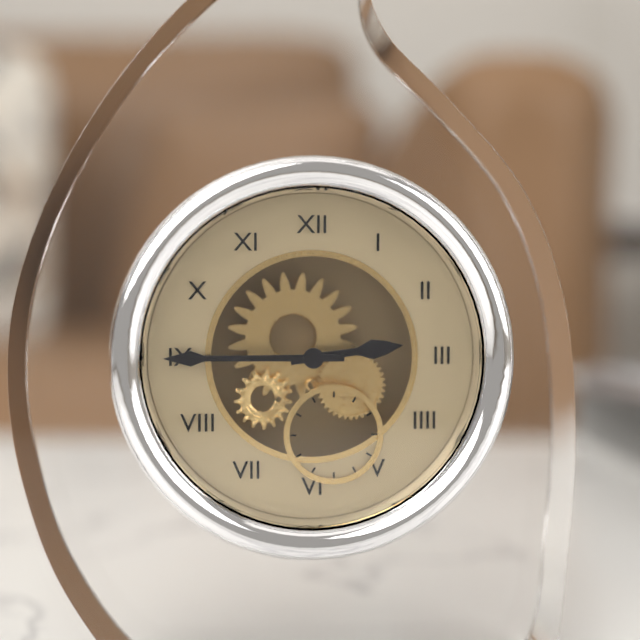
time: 2:45
